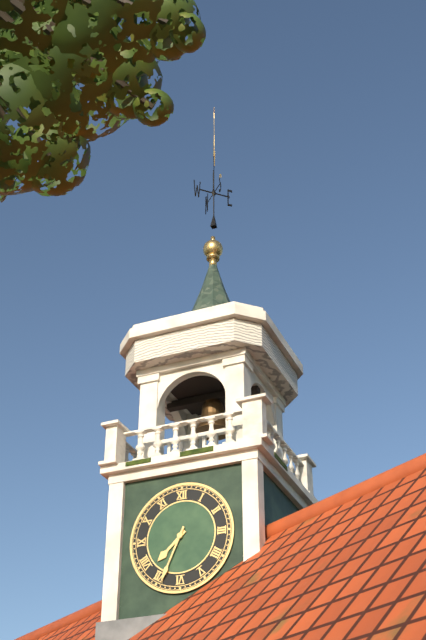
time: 7:34
